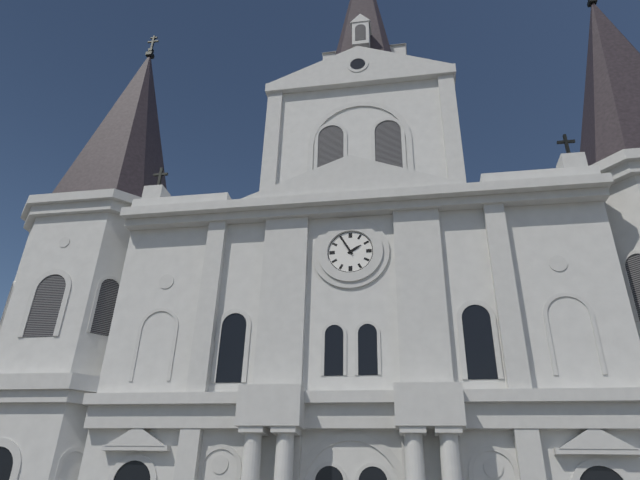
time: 1:55
